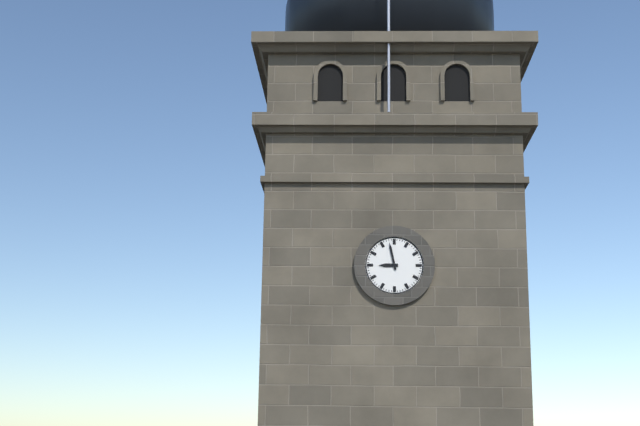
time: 8:58
